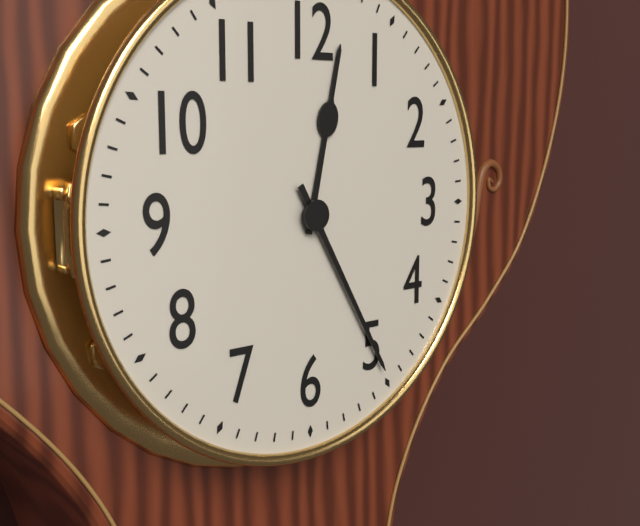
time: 12:25
